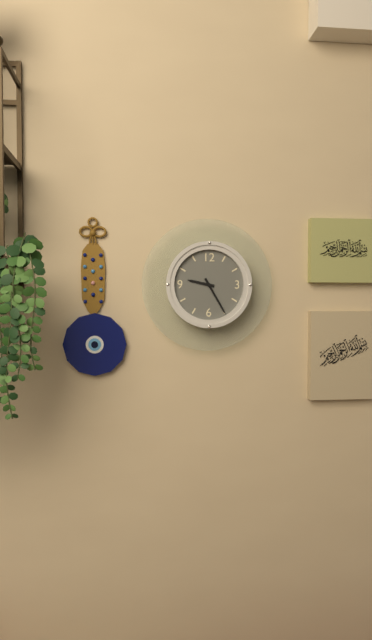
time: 9:25
